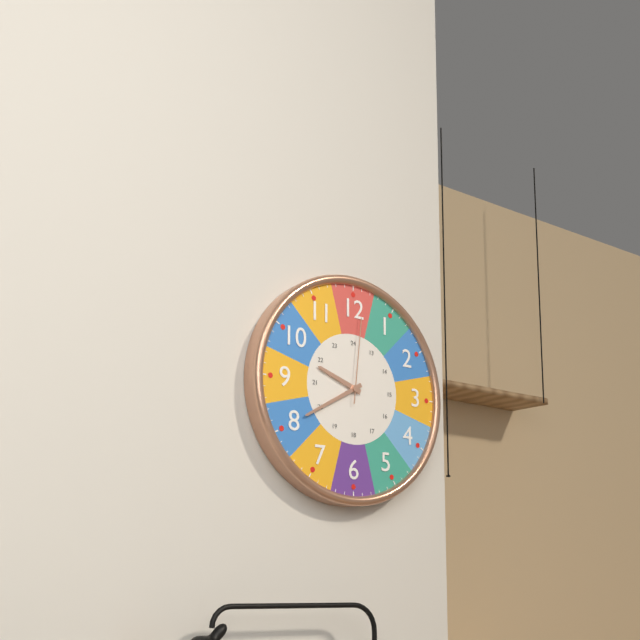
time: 9:40:01
